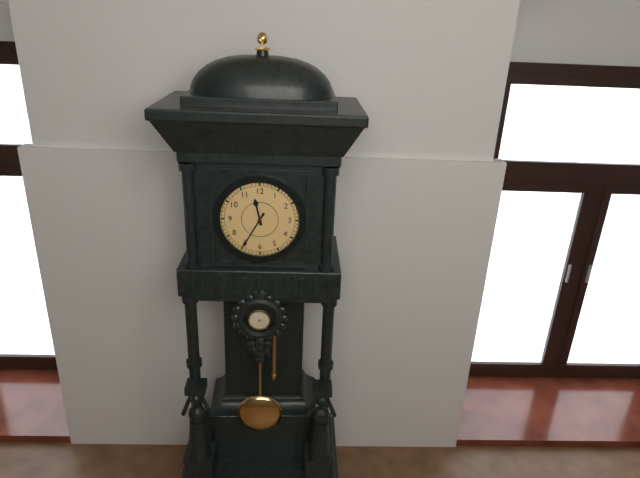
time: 11:35
